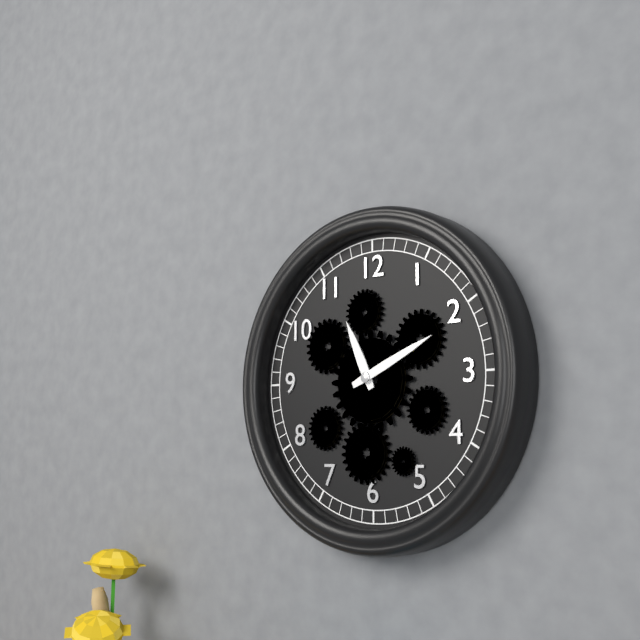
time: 11:11
